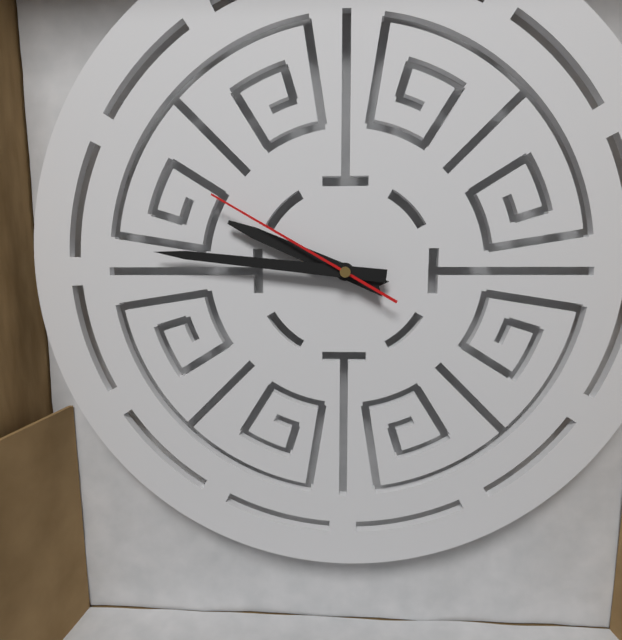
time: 9:46:50
